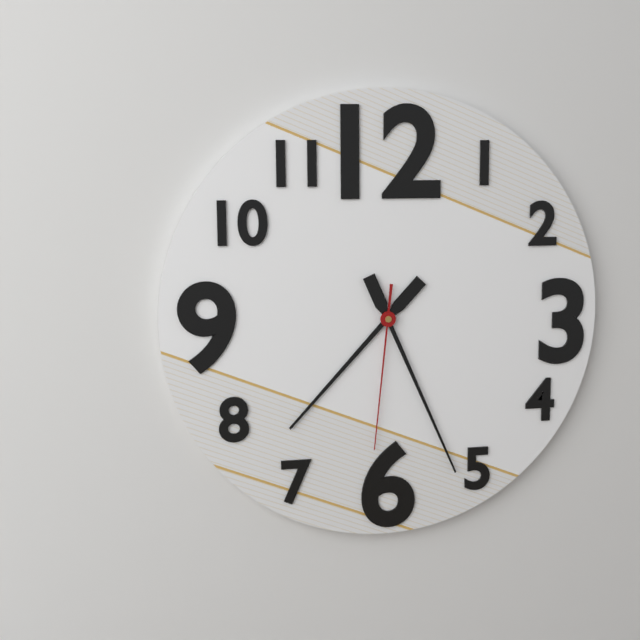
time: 7:26:31
